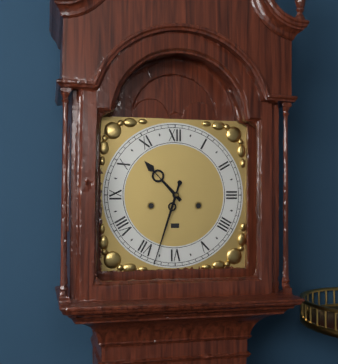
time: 10:33
